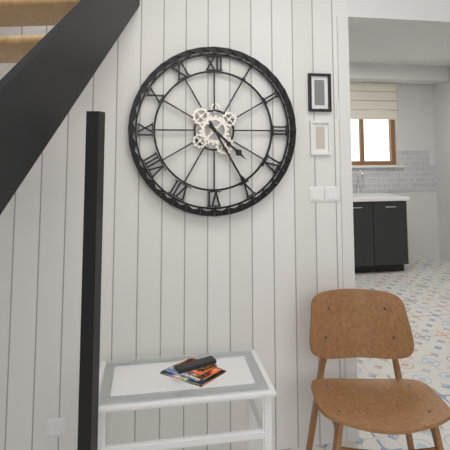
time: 4:25
